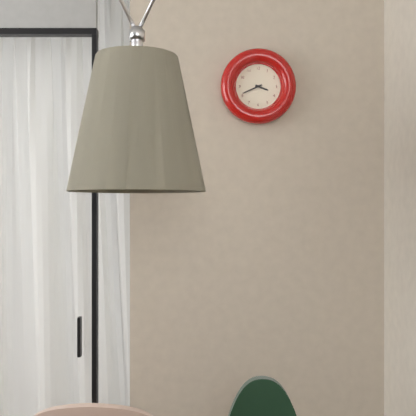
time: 3:41
